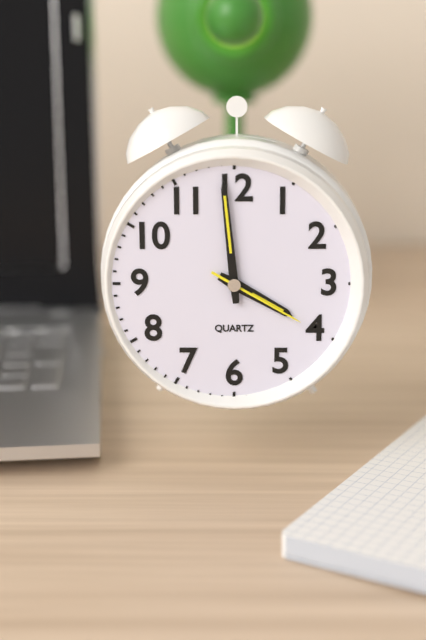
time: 3:59:20
